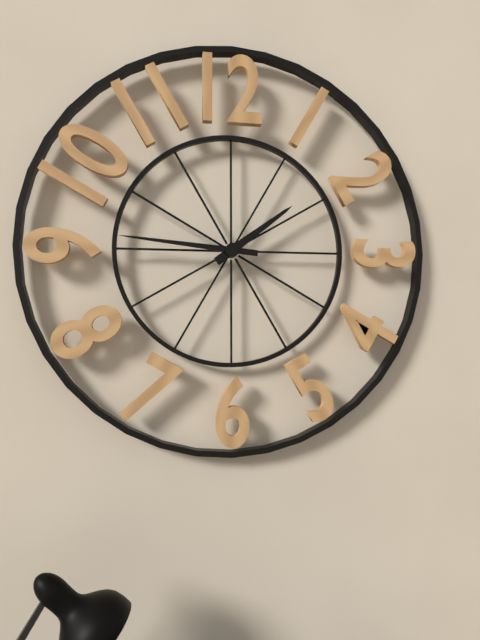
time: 1:46
